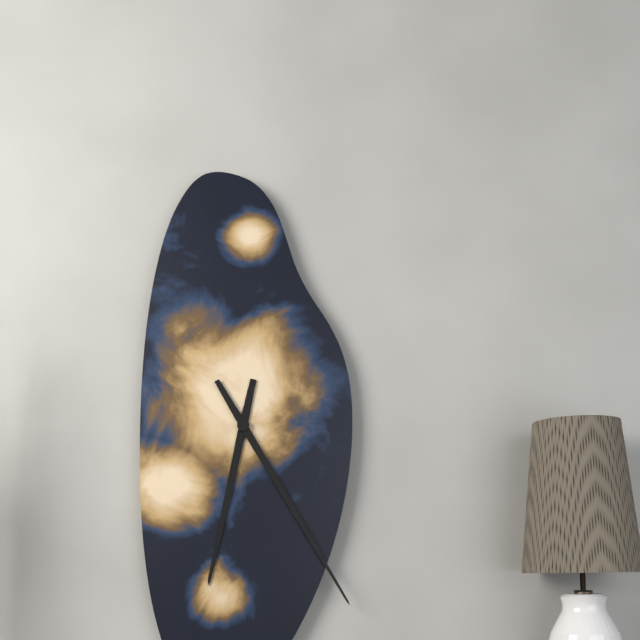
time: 6:25
